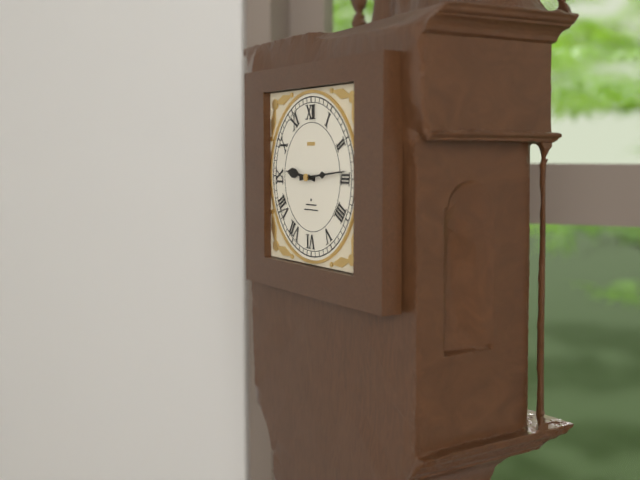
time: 9:14
